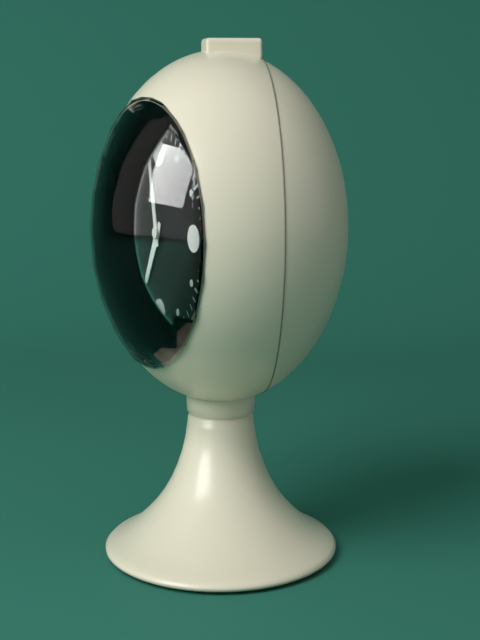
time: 6:58
